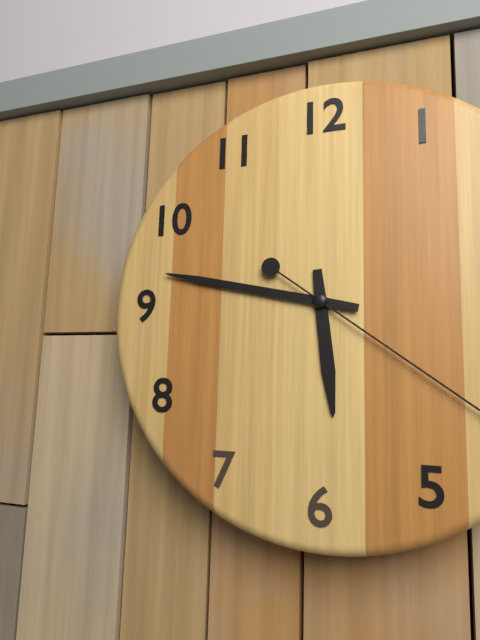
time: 5:47
